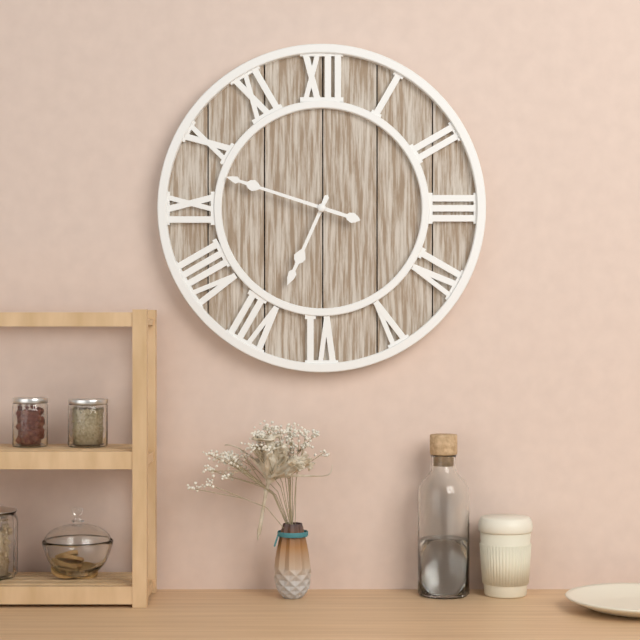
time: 6:48
